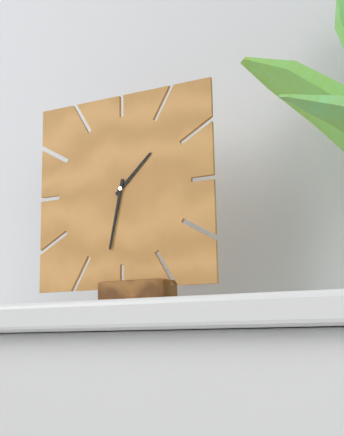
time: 1:32
